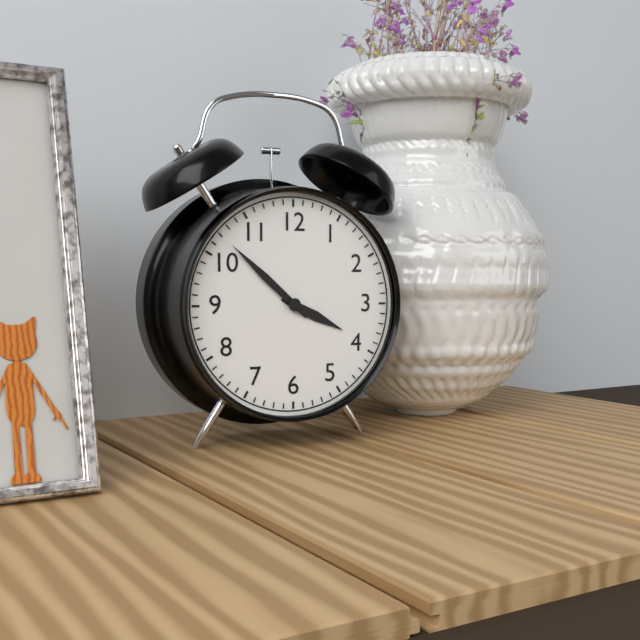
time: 3:52
